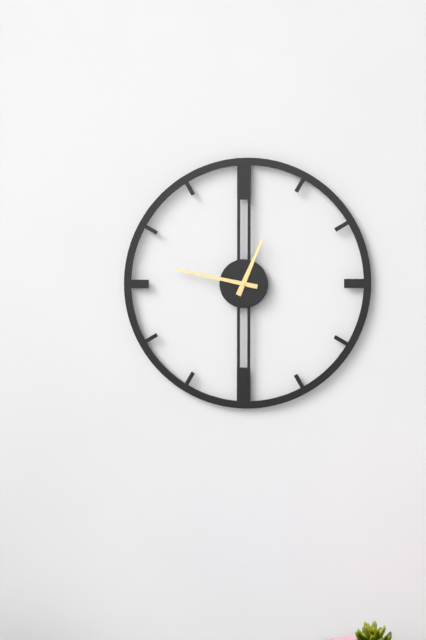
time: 12:47
